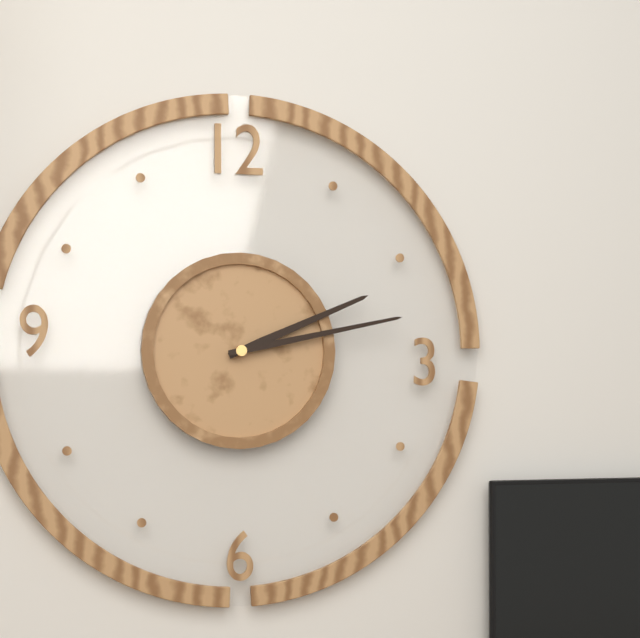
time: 2:13
